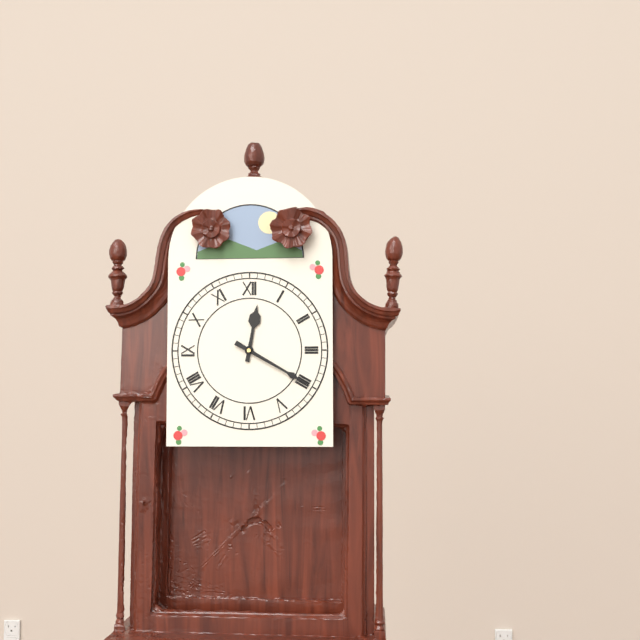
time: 12:20
